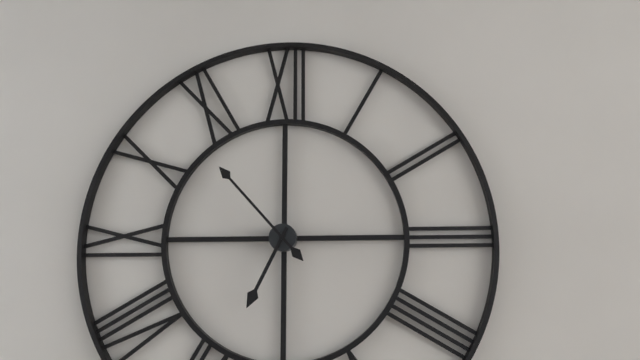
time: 6:53
